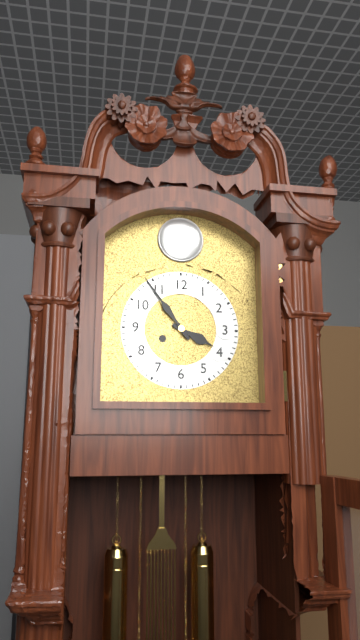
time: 3:54
